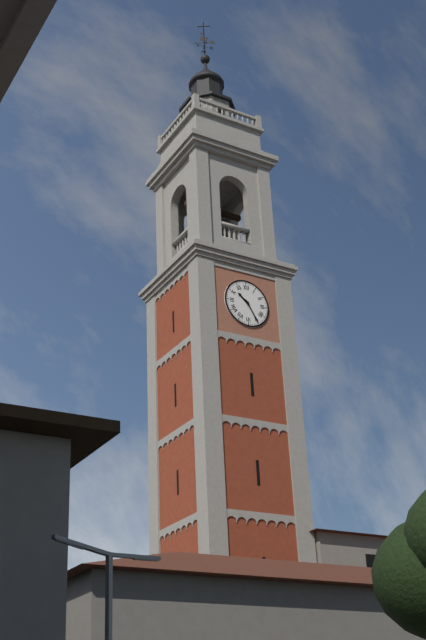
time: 10:25
